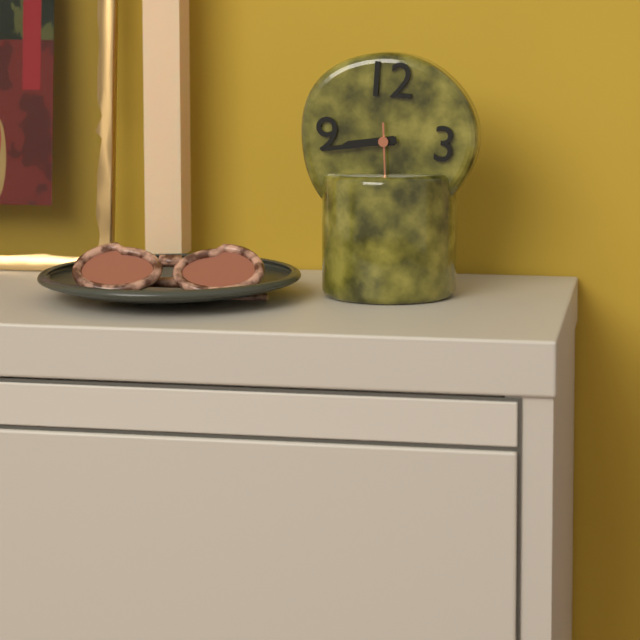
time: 8:43
